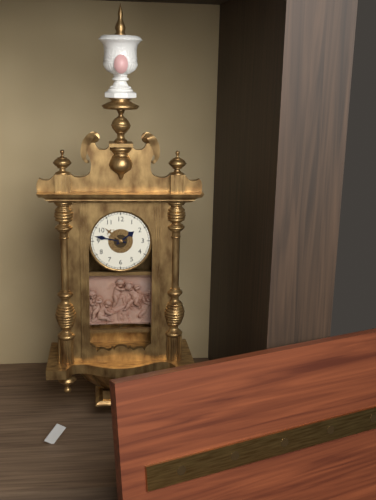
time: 1:47
